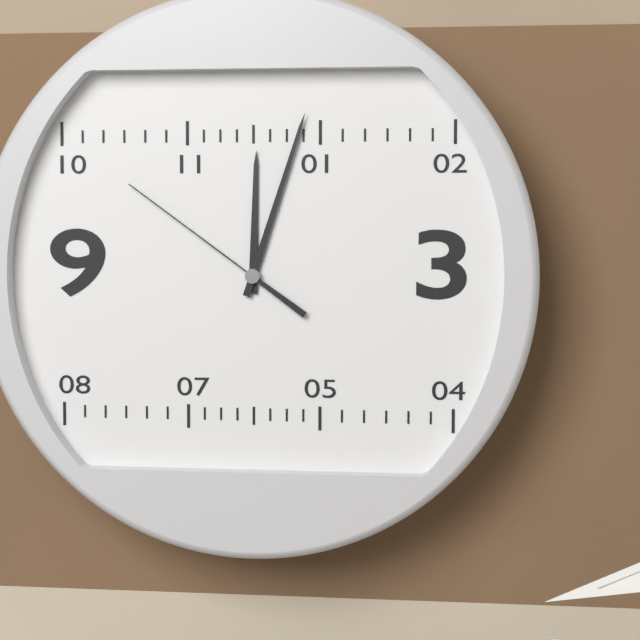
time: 12:03:51
